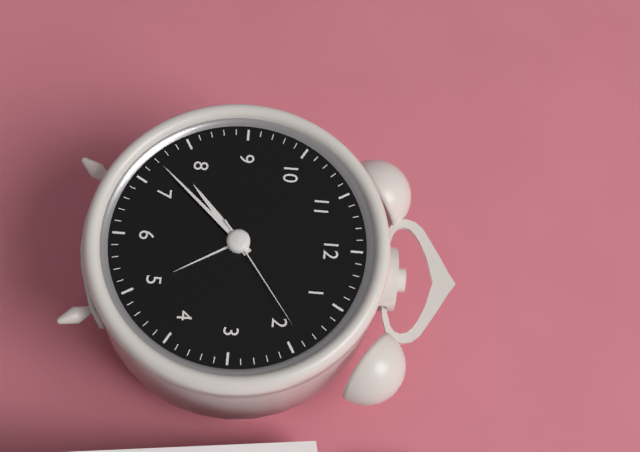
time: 7:37:09
